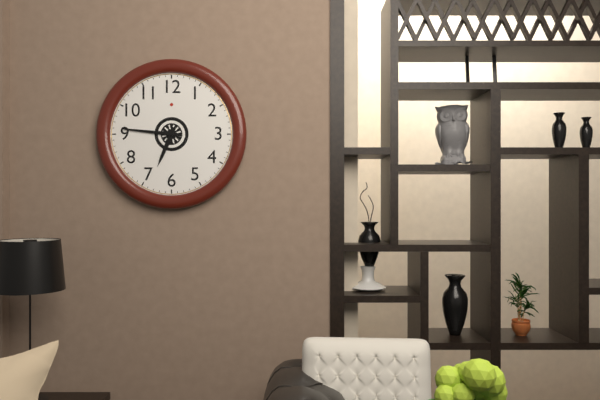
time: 6:46
